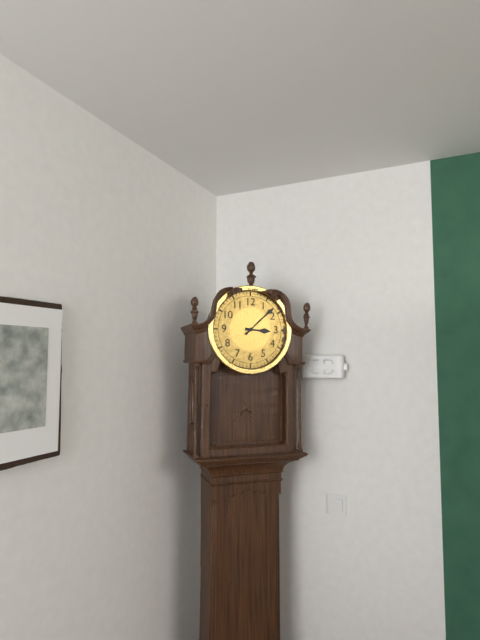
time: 3:08
